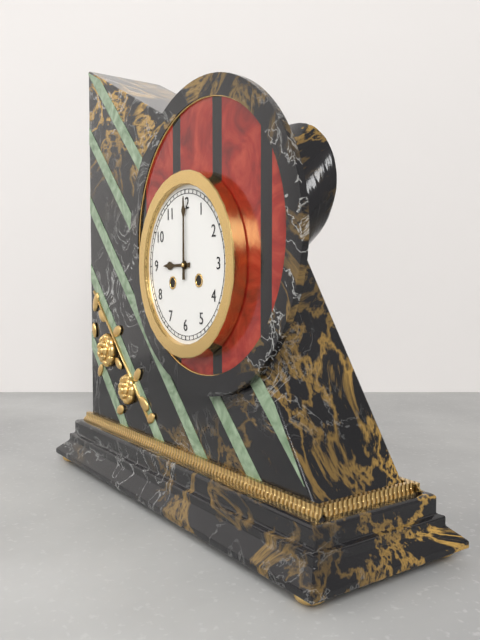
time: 9:00
